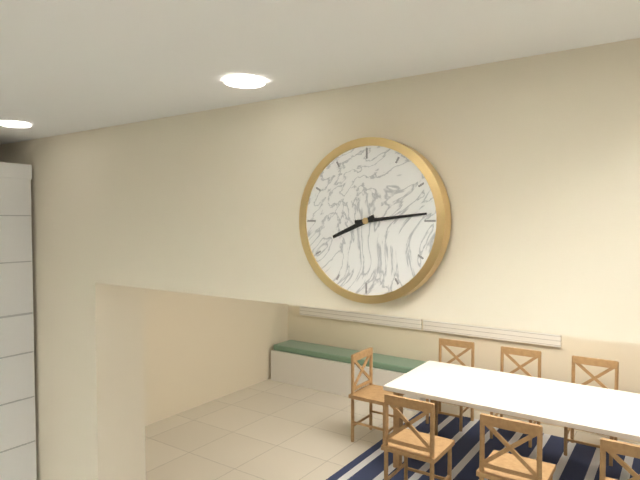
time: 8:14
